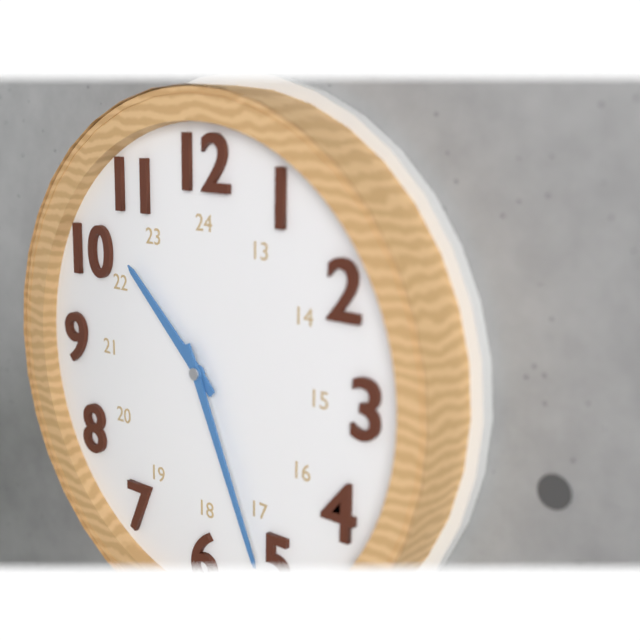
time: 10:26
